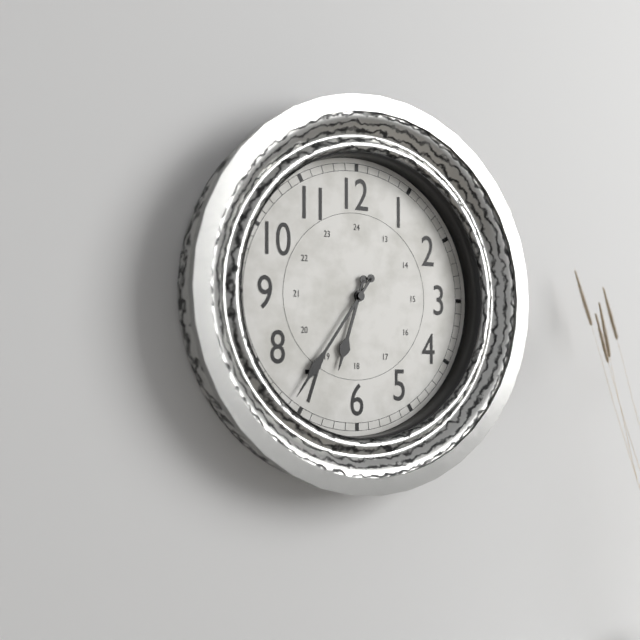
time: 6:36
